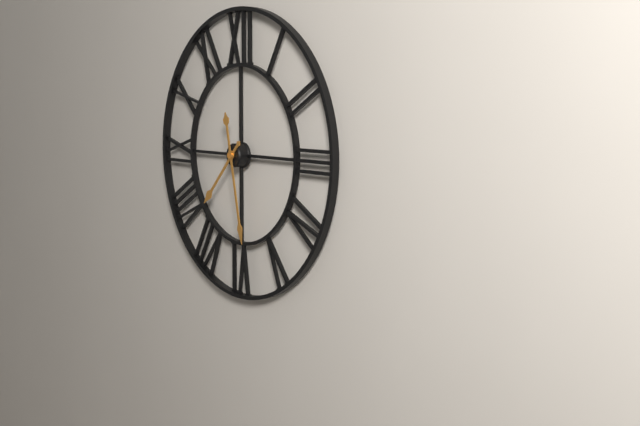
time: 7:28
